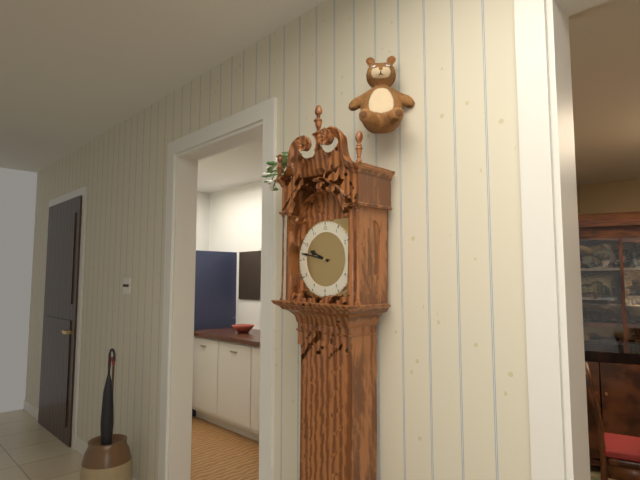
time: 9:47
